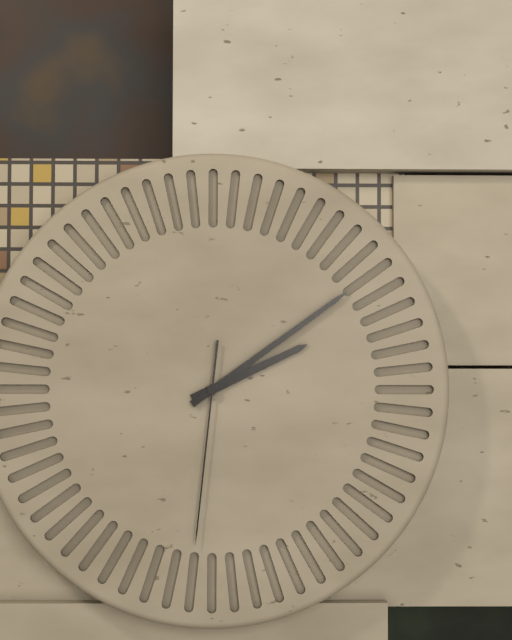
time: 2:09:31
